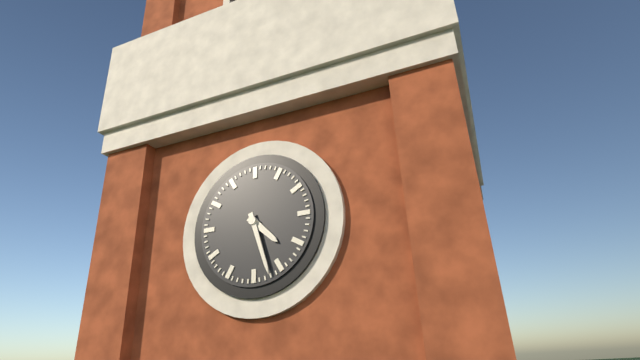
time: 4:27
